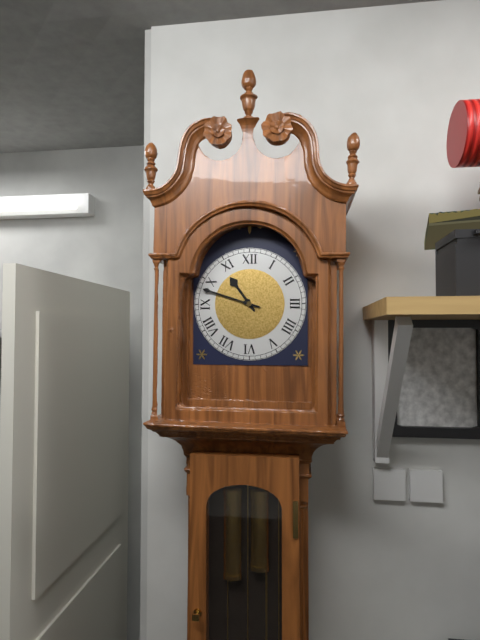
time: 10:48
